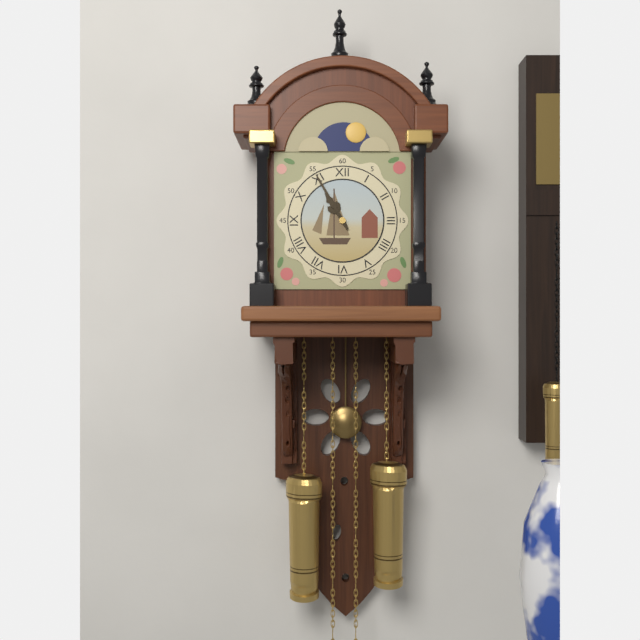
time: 10:55
